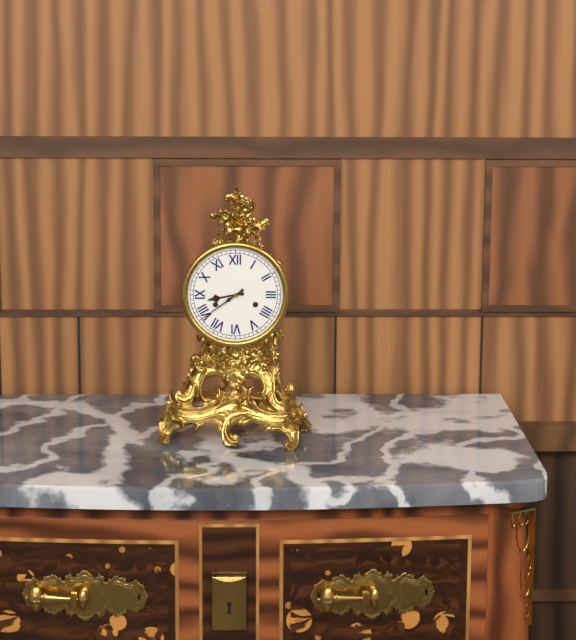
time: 8:39
